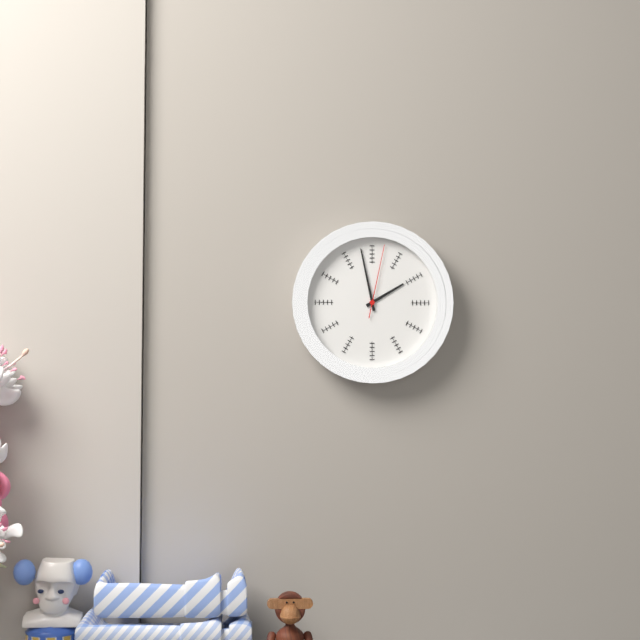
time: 1:58:02
